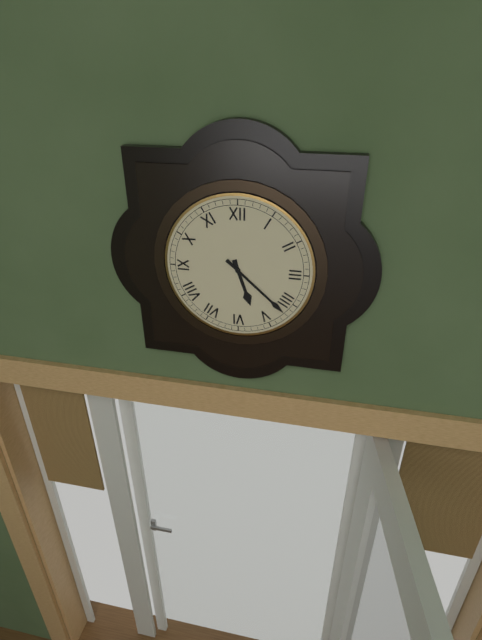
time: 5:22
